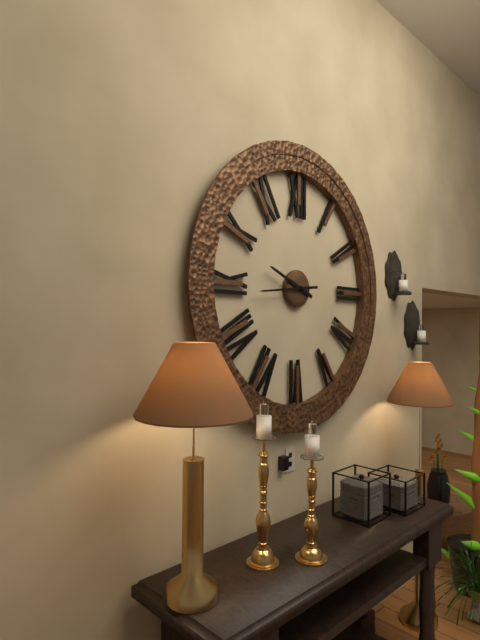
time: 9:44
